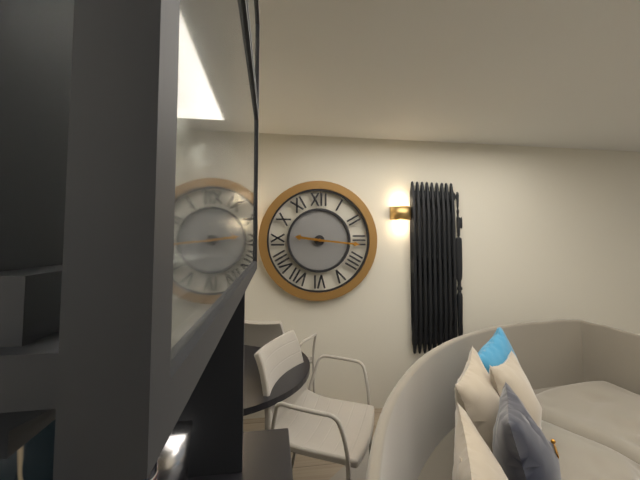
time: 9:16
